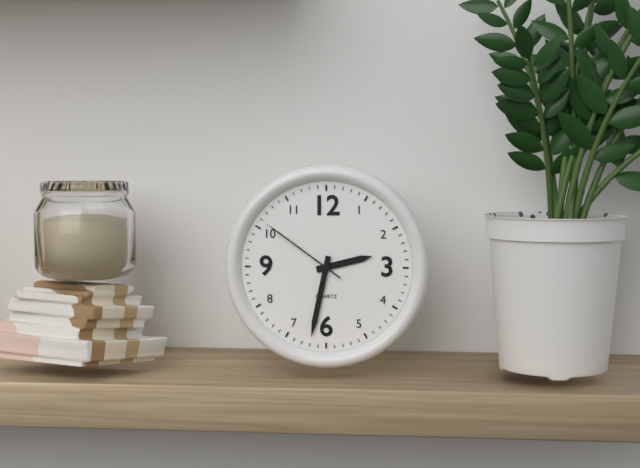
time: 2:32:51
